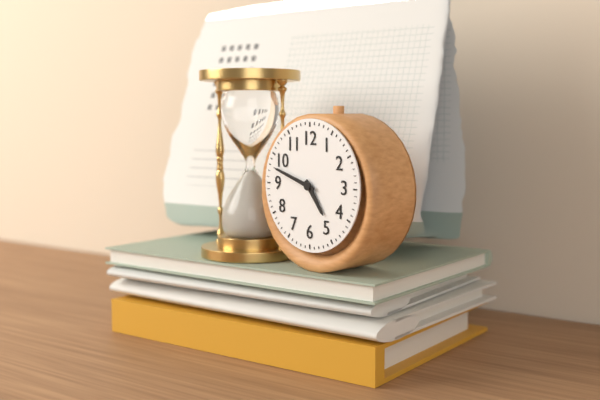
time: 4:48
